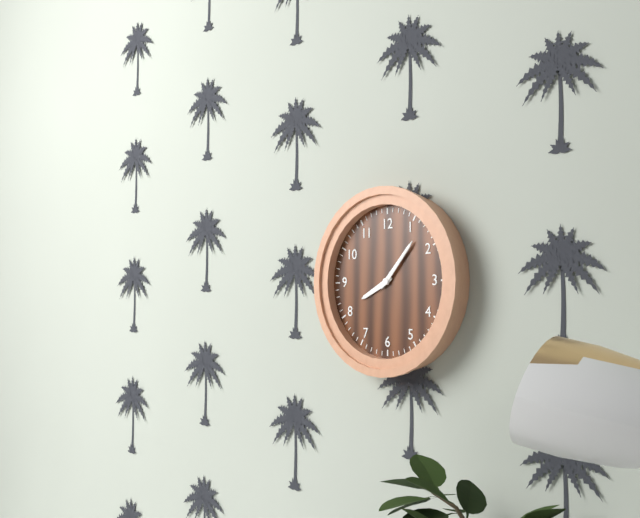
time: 8:07
